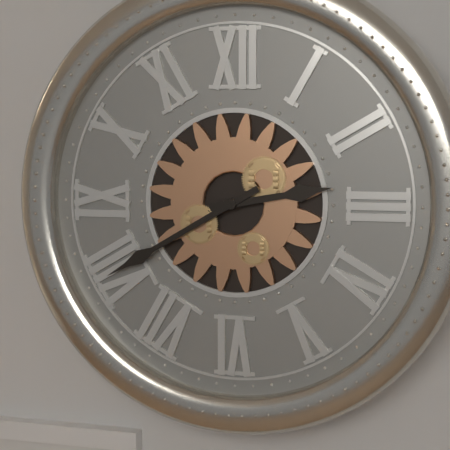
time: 2:40
